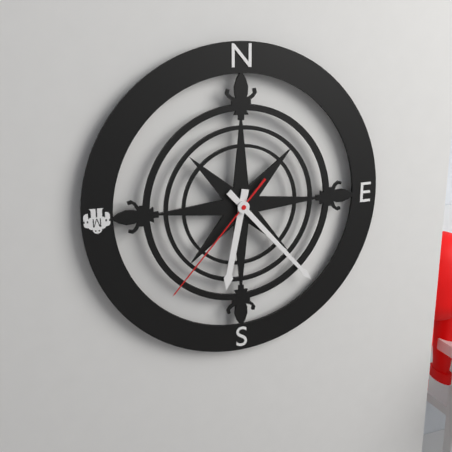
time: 6:23:37
